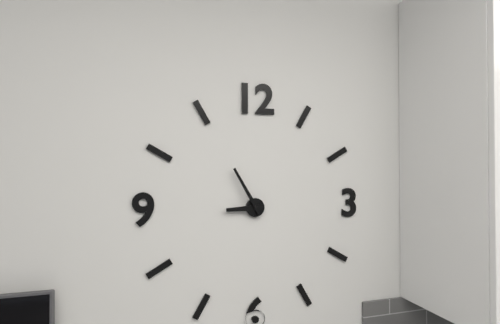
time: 8:55
